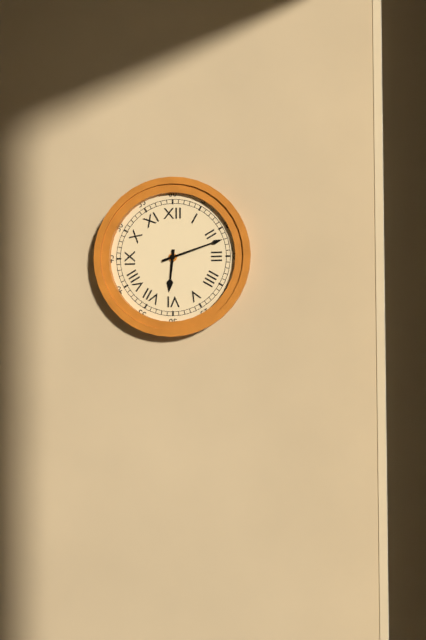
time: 6:12
